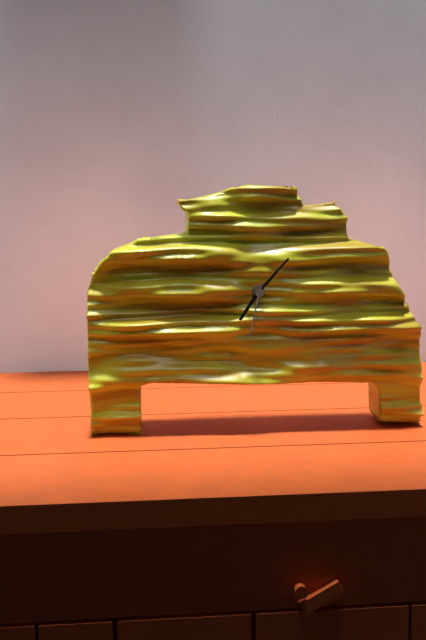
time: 7:07:32
